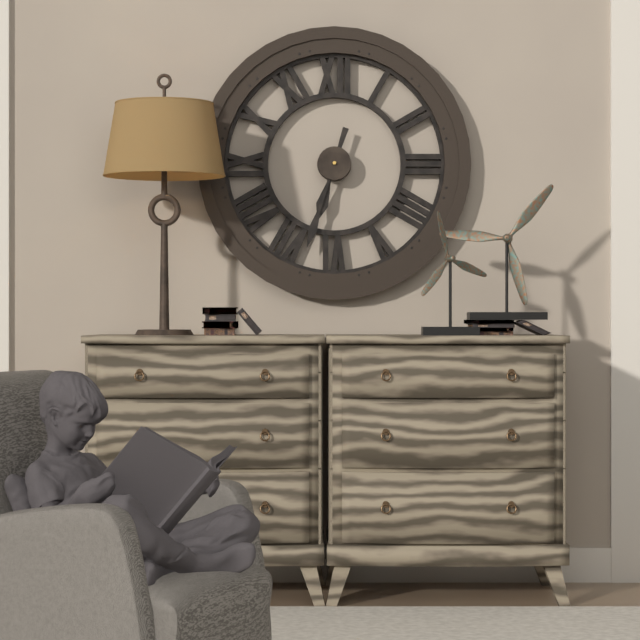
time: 6:33
